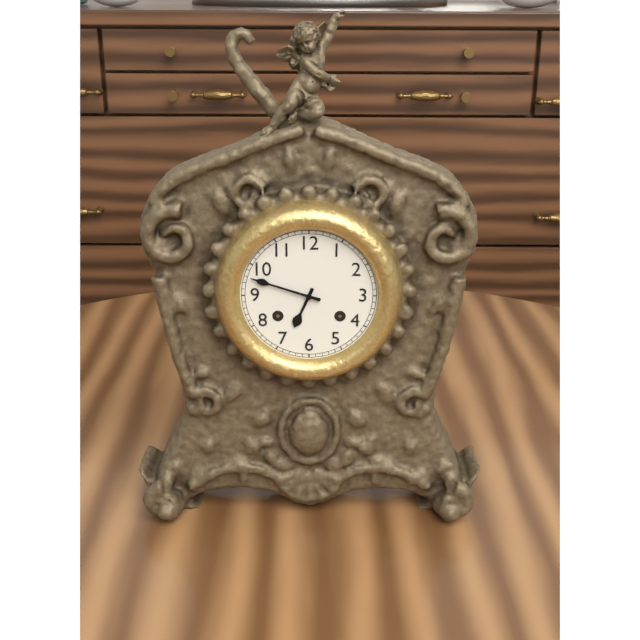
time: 6:48
